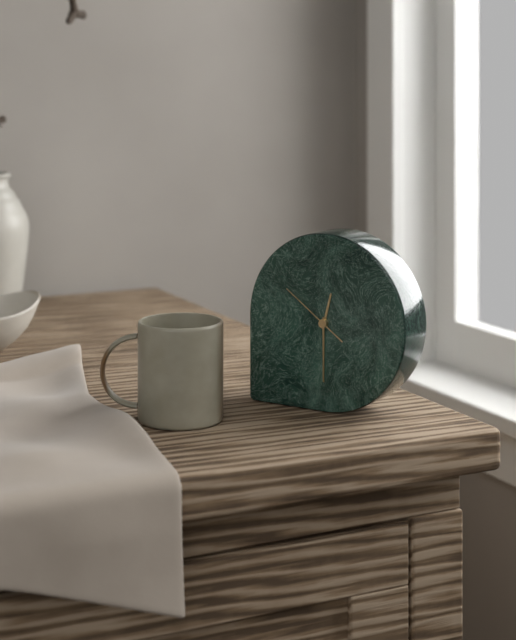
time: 12:30:51
